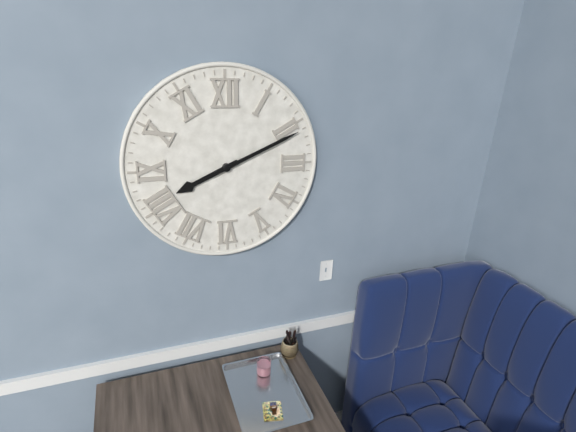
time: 8:11
